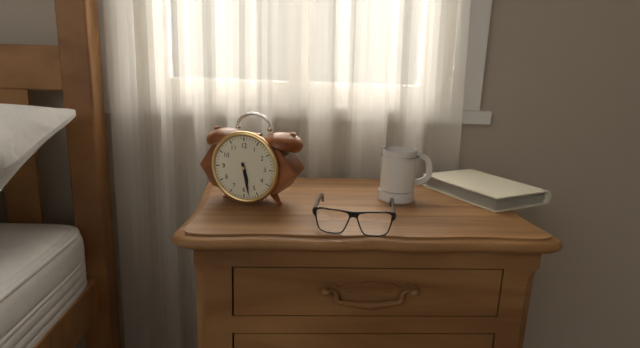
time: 5:28
